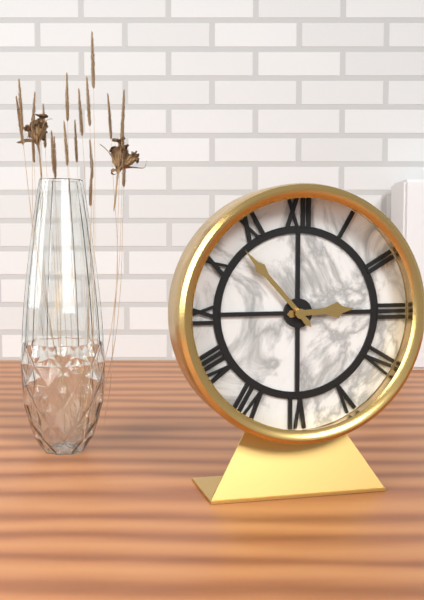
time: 2:53
